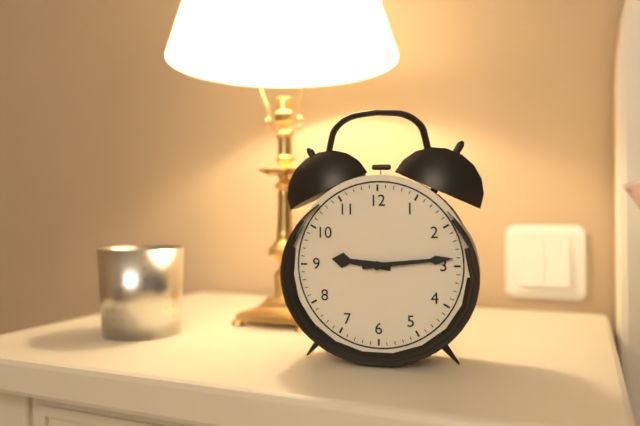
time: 9:14
